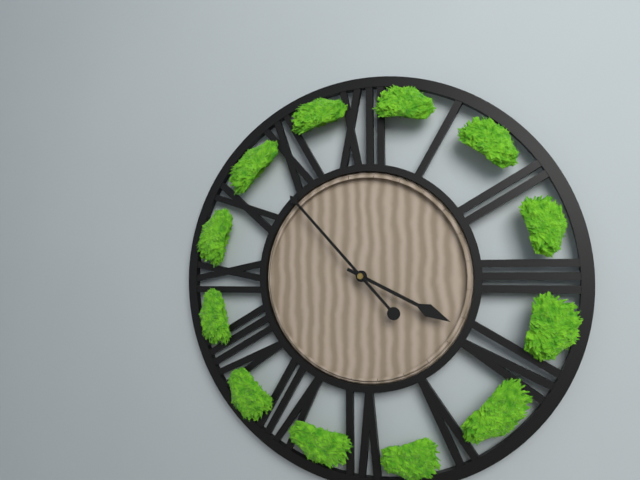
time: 3:53
